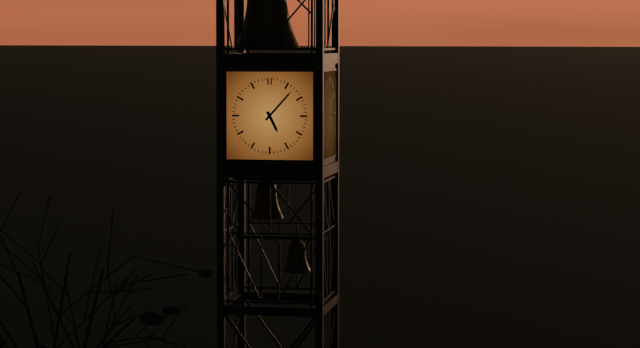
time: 5:07
